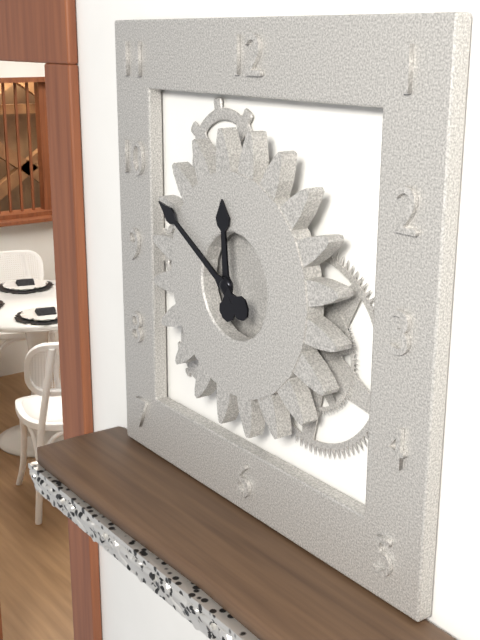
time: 11:50
